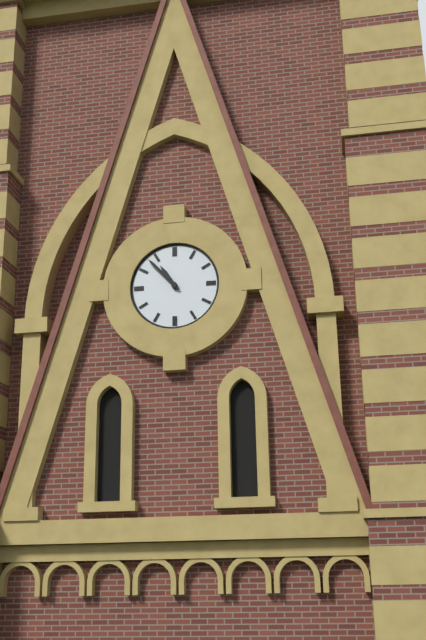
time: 10:53
